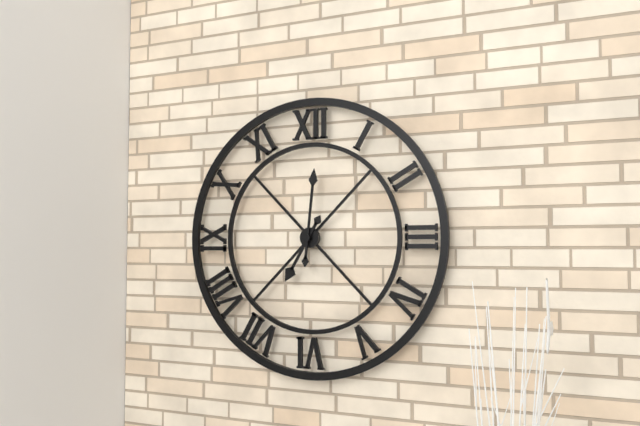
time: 7:01
